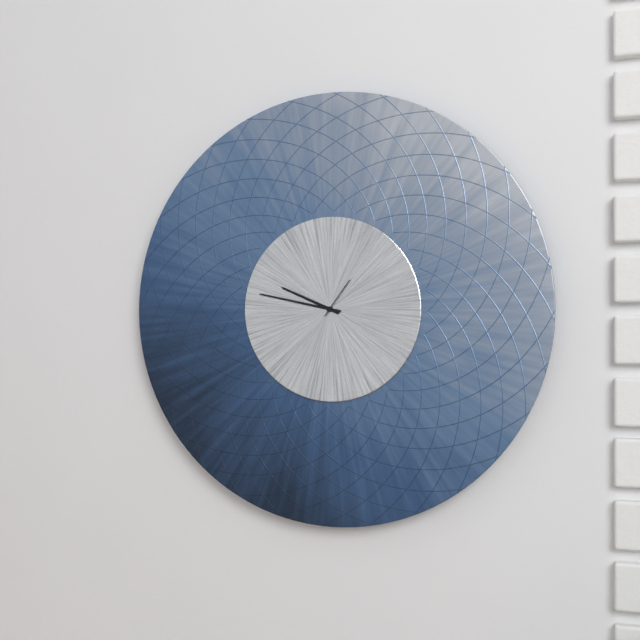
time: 9:47
